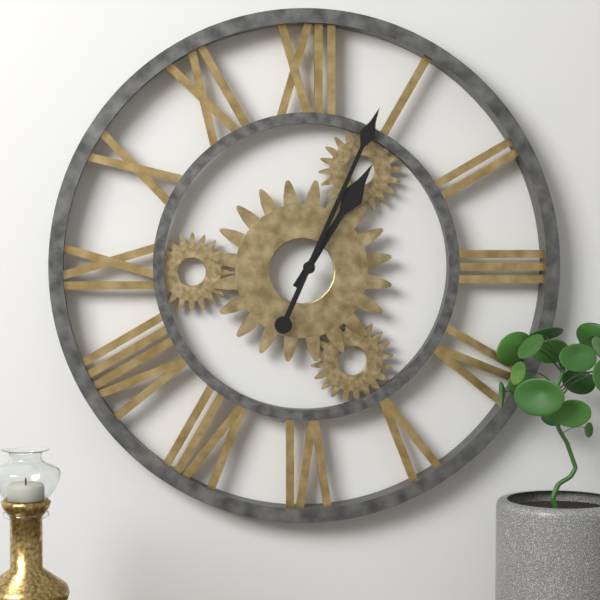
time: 1:04
